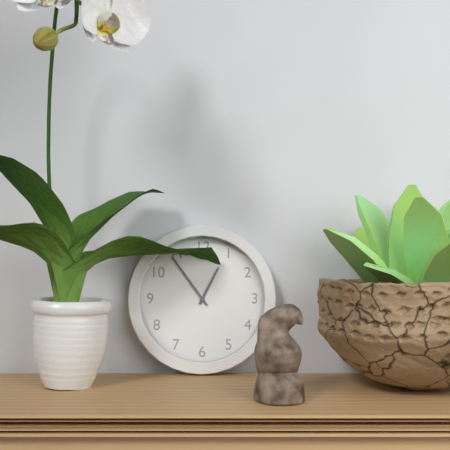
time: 12:54
